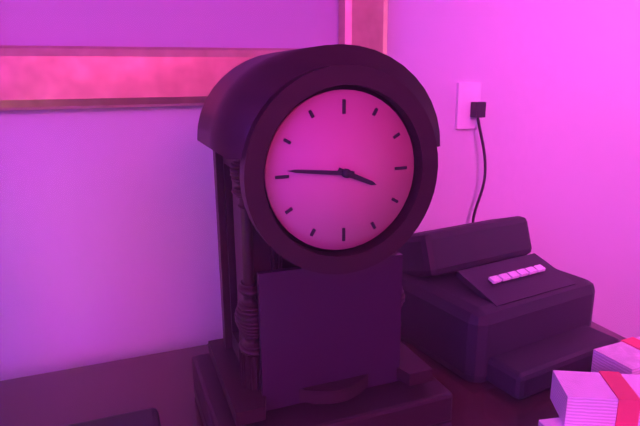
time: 3:46
